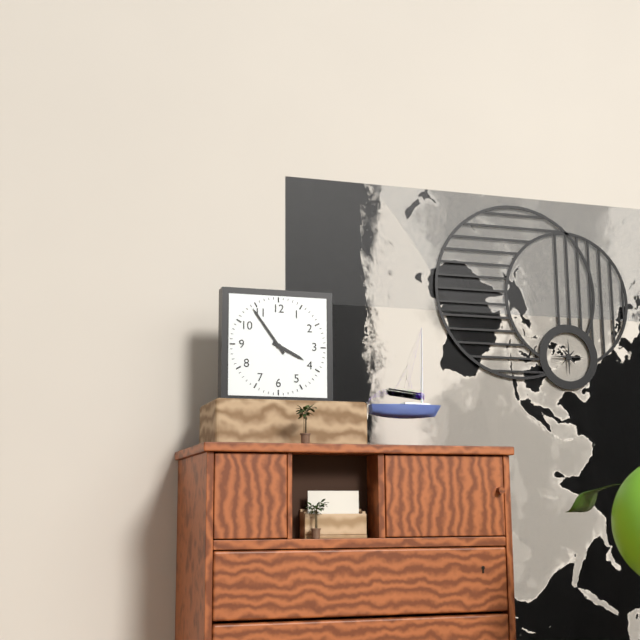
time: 3:54
